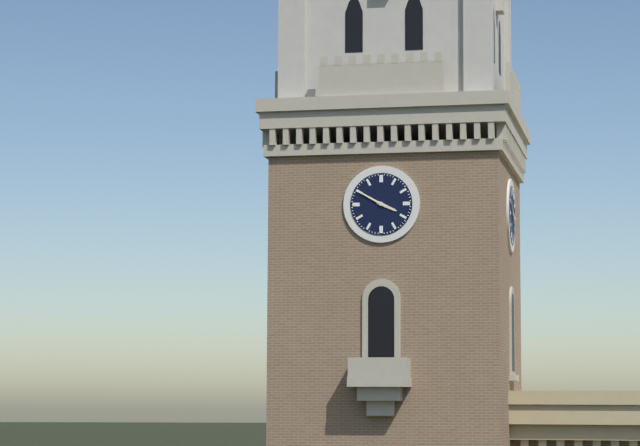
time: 3:50
